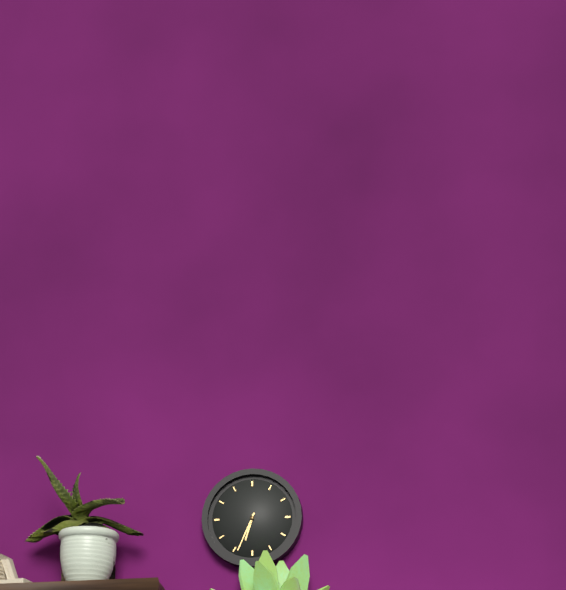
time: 6:34
